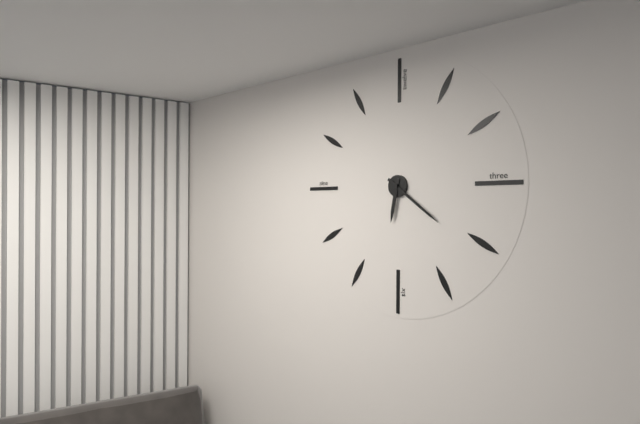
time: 6:21
